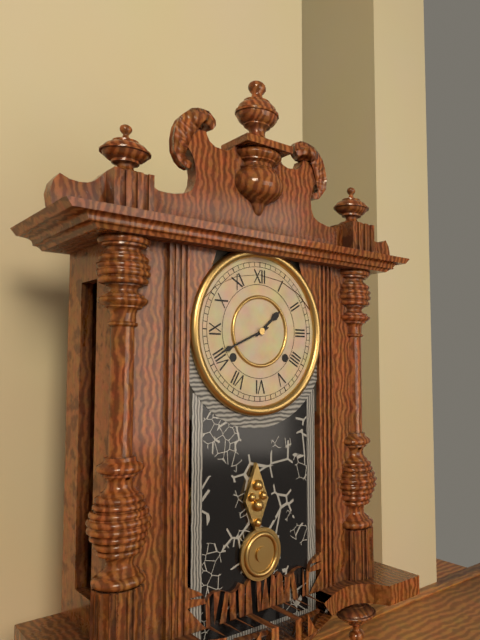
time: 1:41
